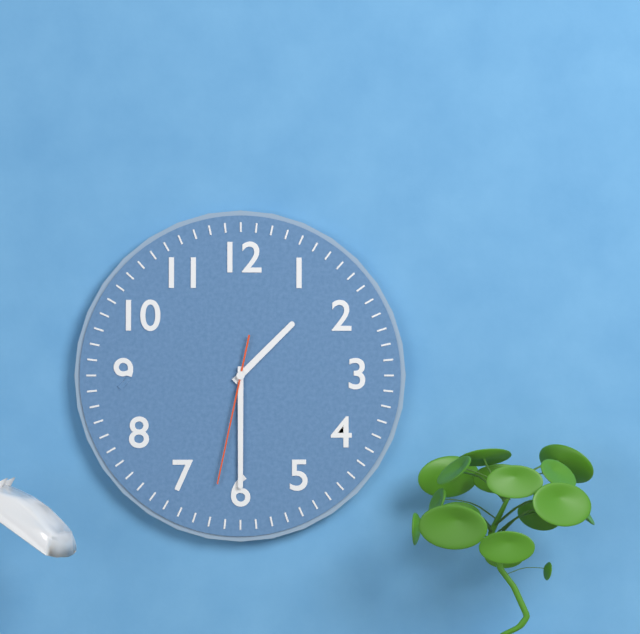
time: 1:30:32
